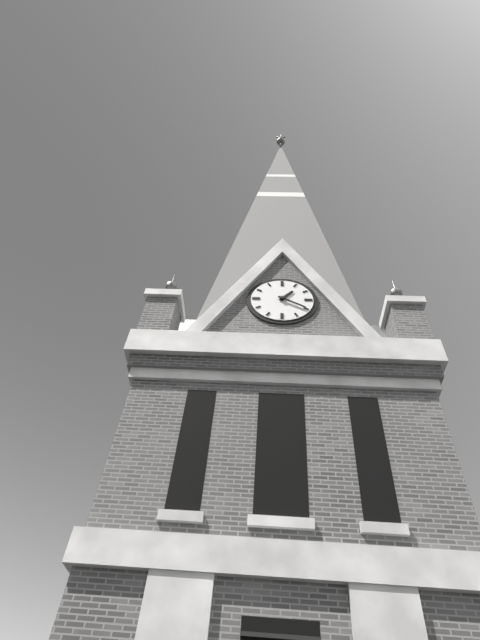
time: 1:20
